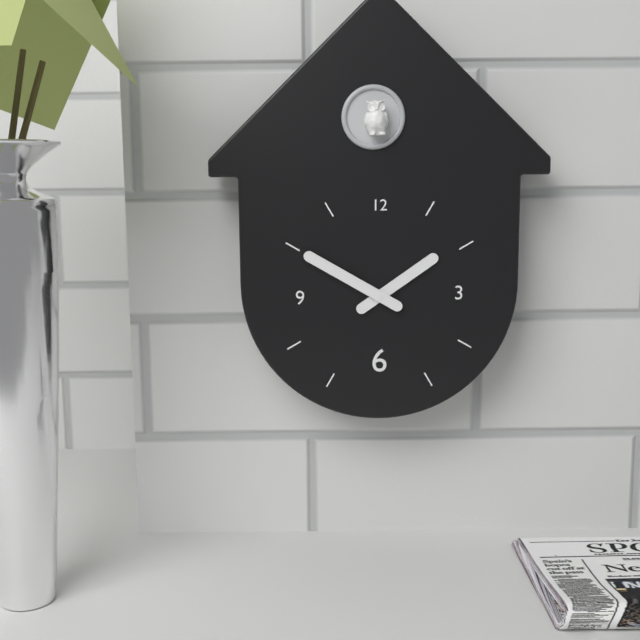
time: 1:50
